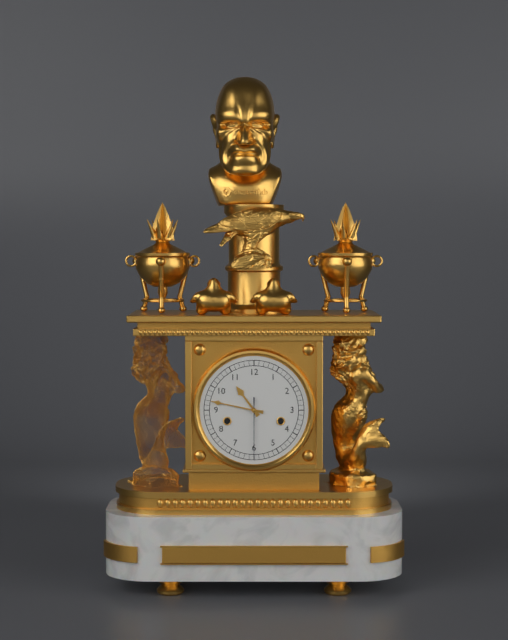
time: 10:47:30
